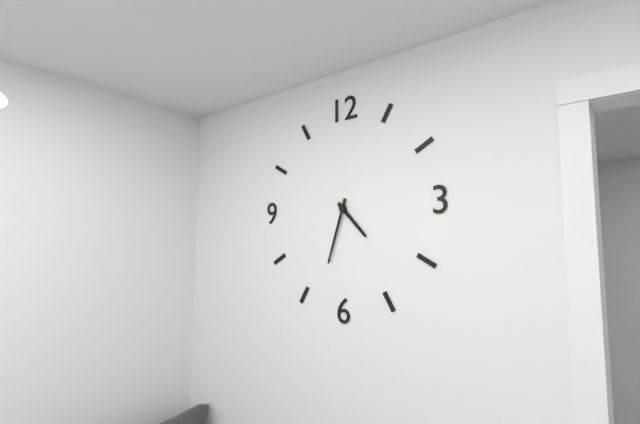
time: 4:33
